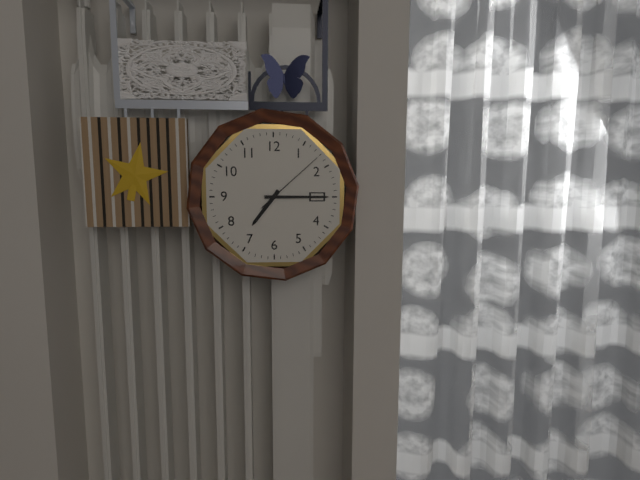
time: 7:15:08
